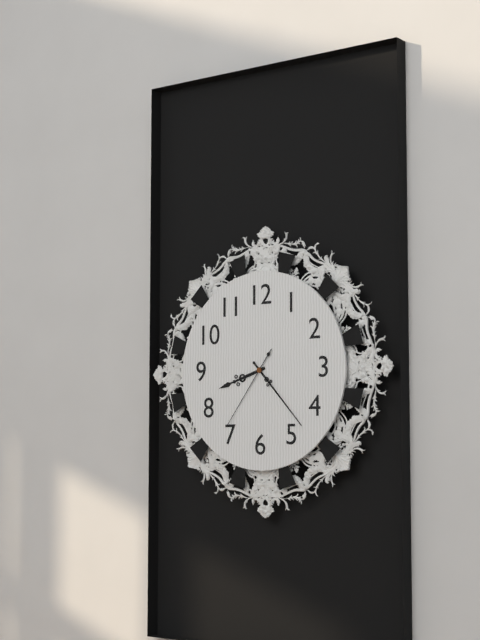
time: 8:23:36
